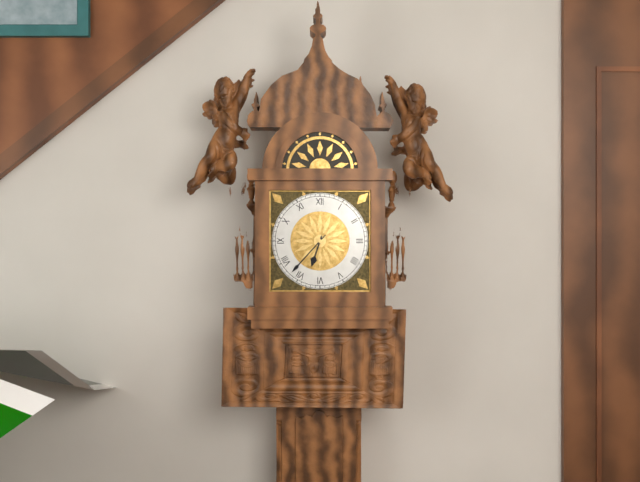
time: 6:37
